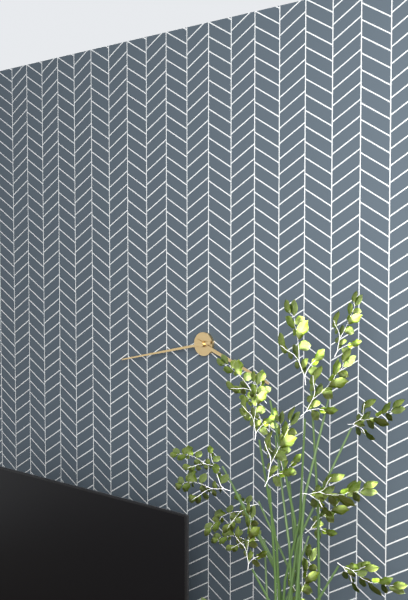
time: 3:43
